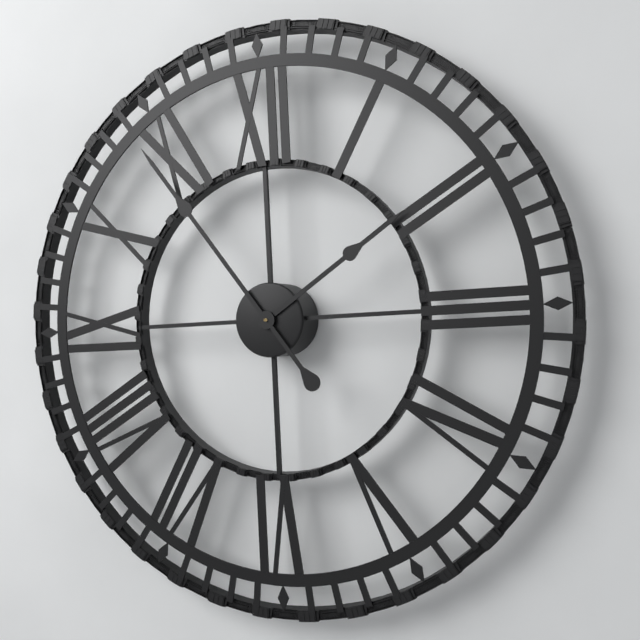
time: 1:54
